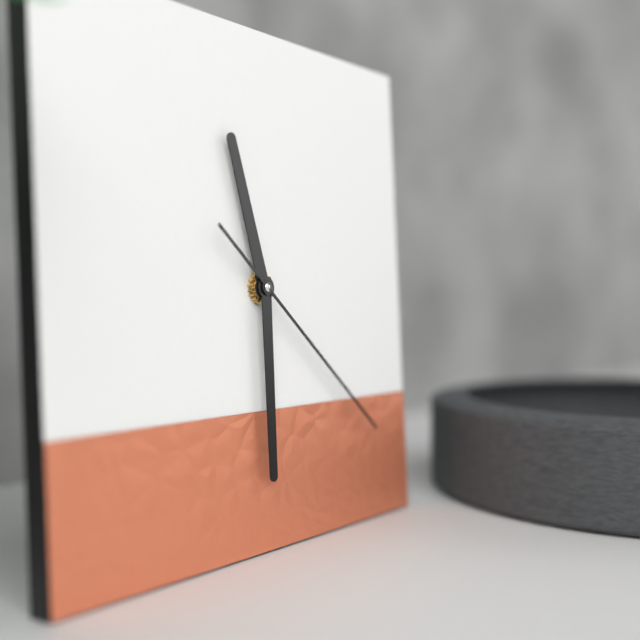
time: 11:30:22
